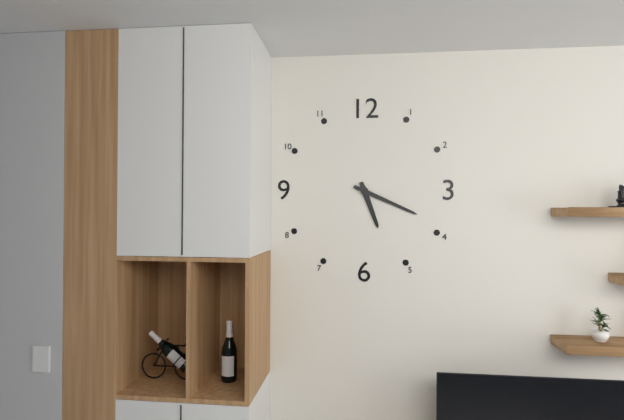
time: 5:19
